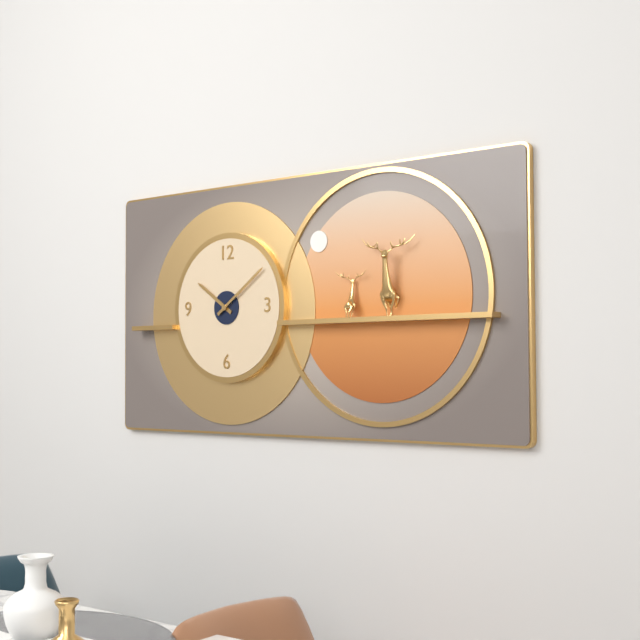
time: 10:09
